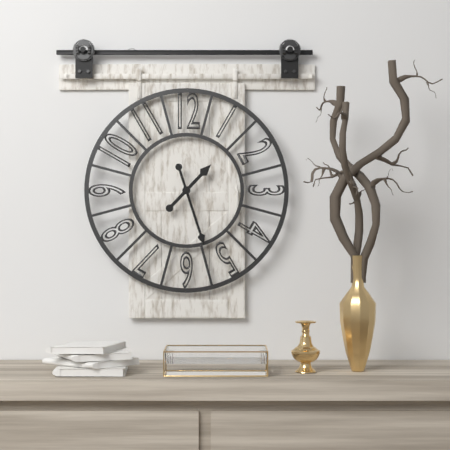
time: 1:27
